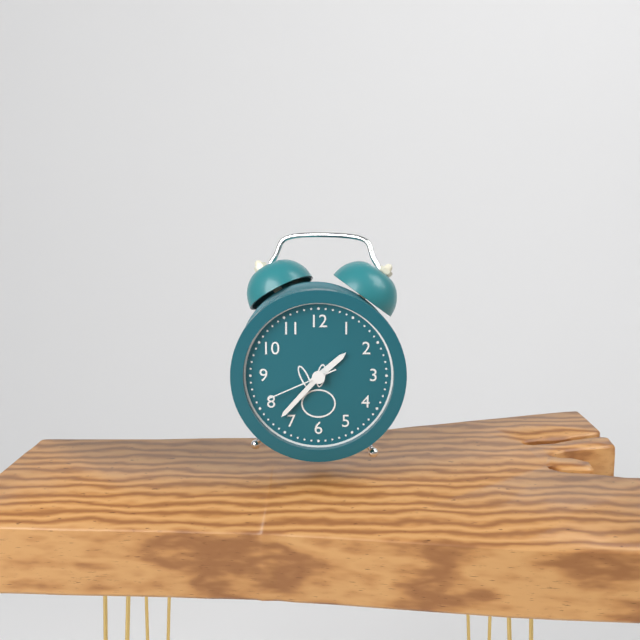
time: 1:37:41
